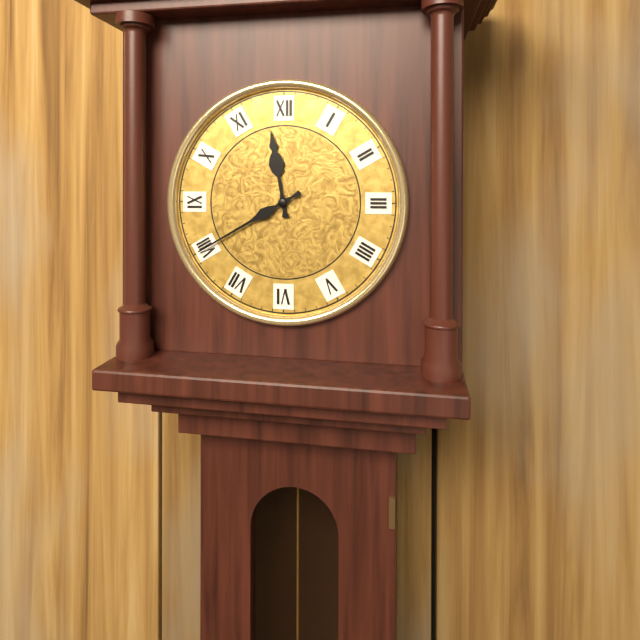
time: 11:40
